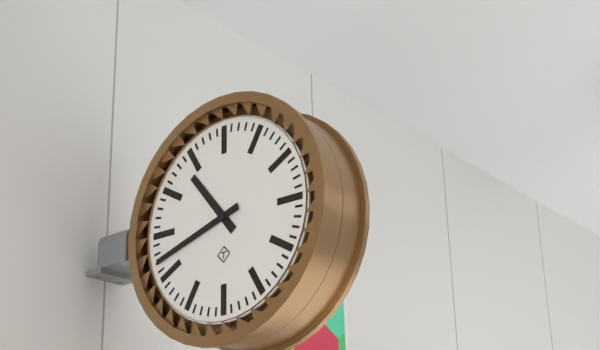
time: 10:42
